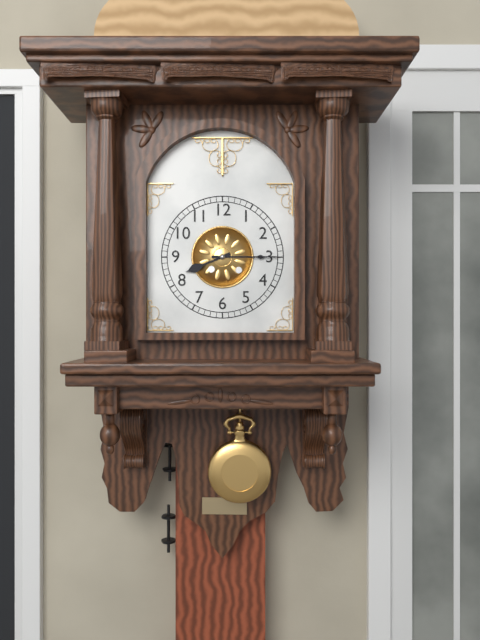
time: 8:15
